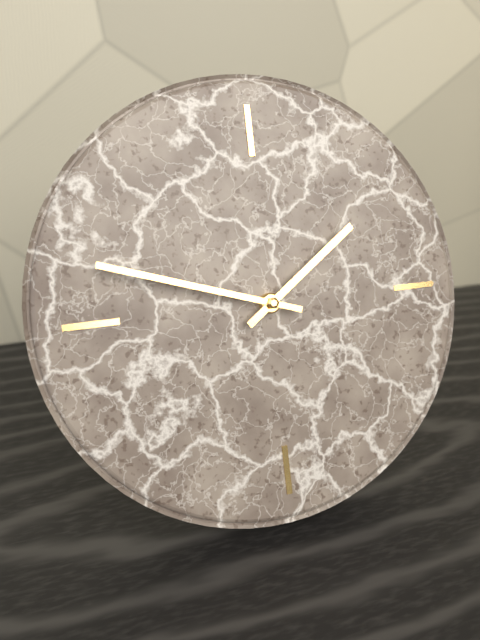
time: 1:48
